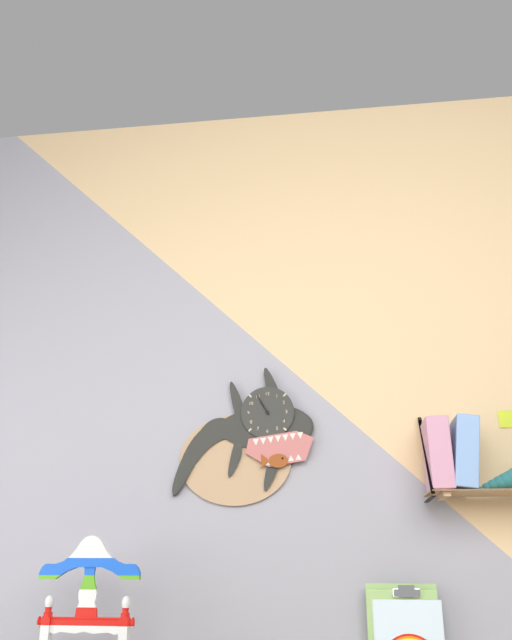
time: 10:55
